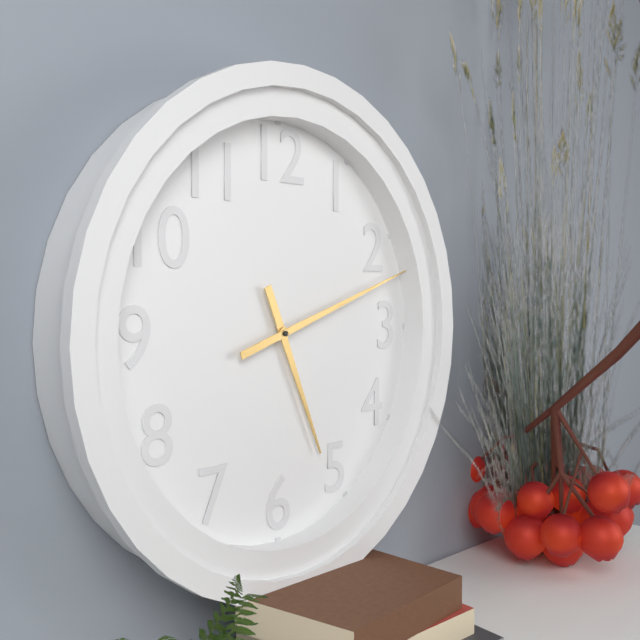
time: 5:12
